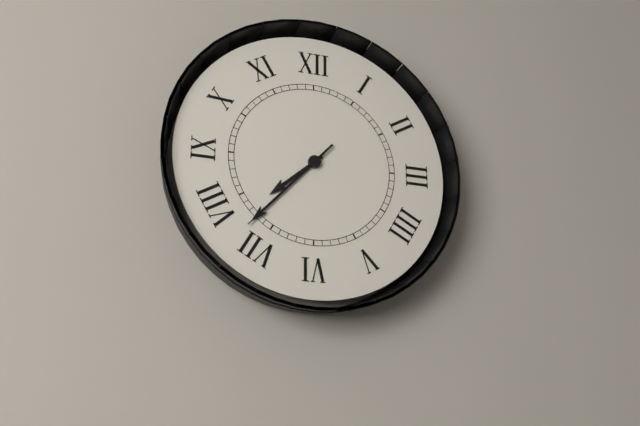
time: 7:37:37
